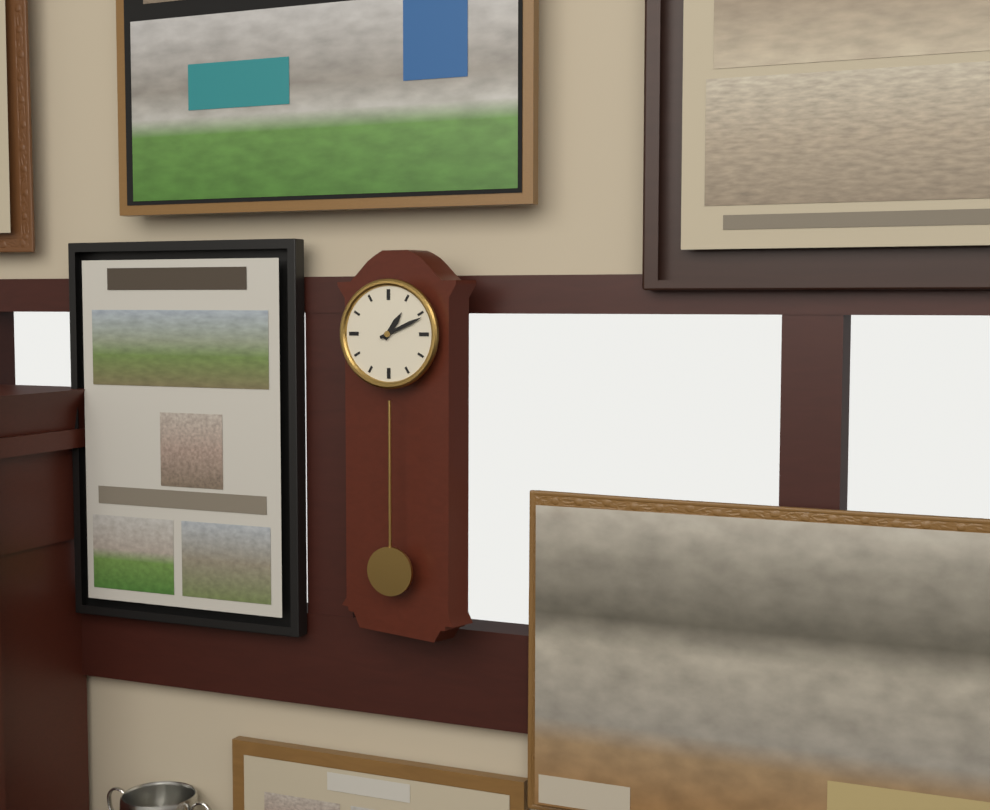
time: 1:11
